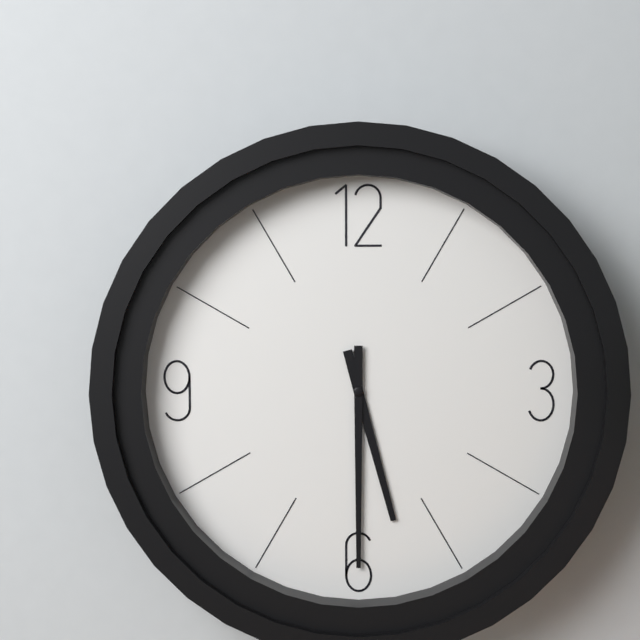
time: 5:30
